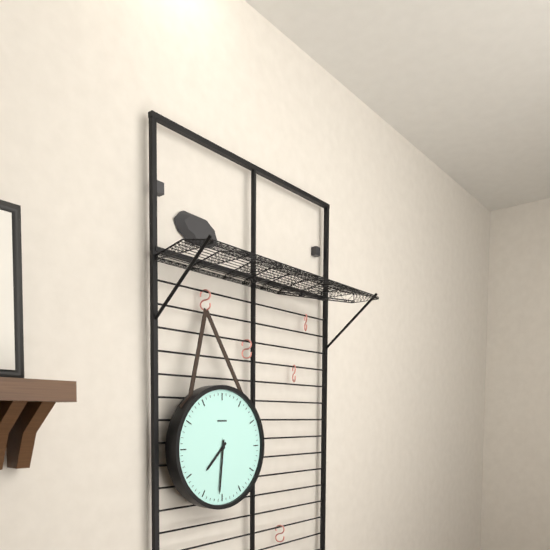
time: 7:31
